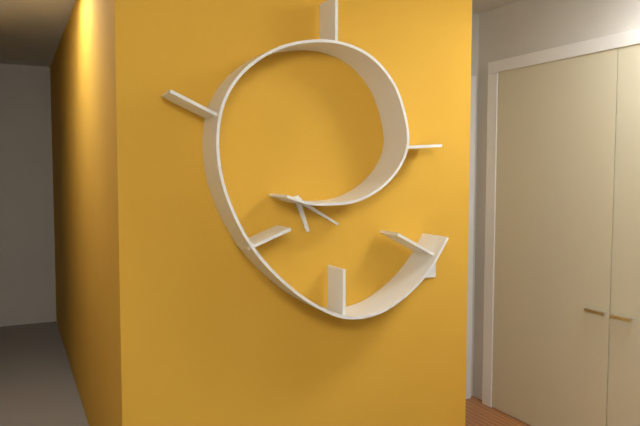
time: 5:20
